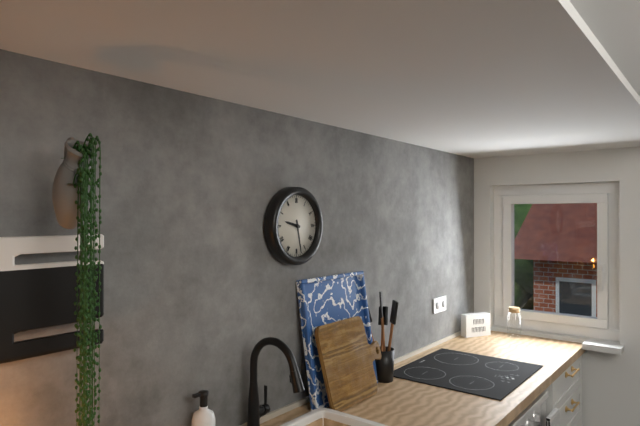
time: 9:28
